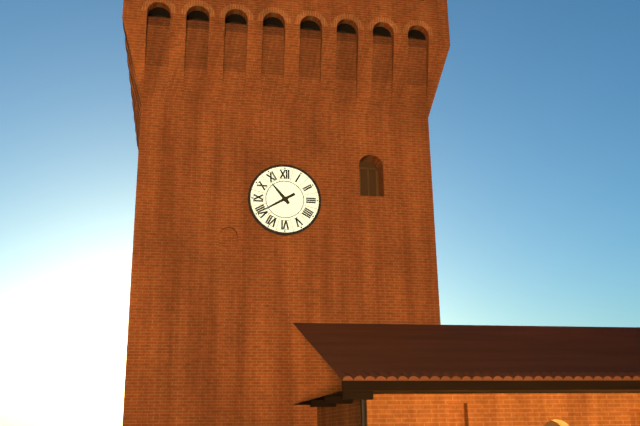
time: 10:40
